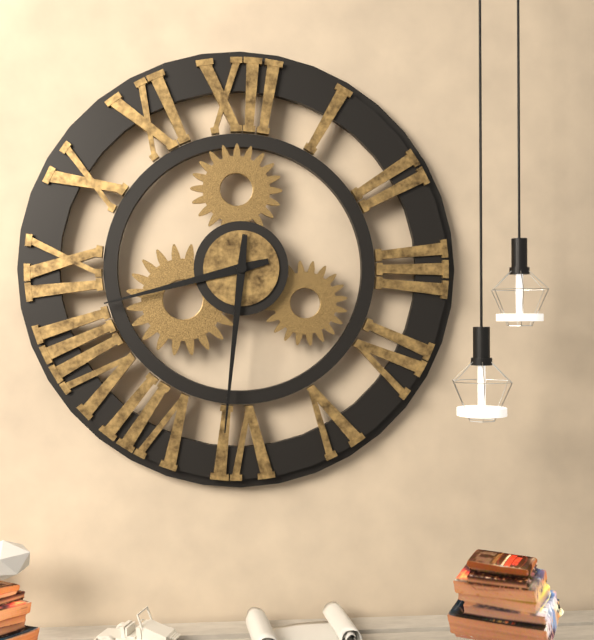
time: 8:31
